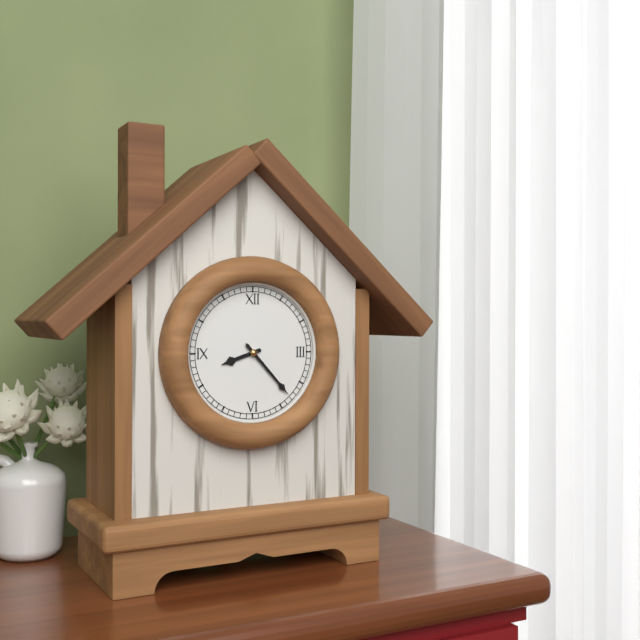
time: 8:23
